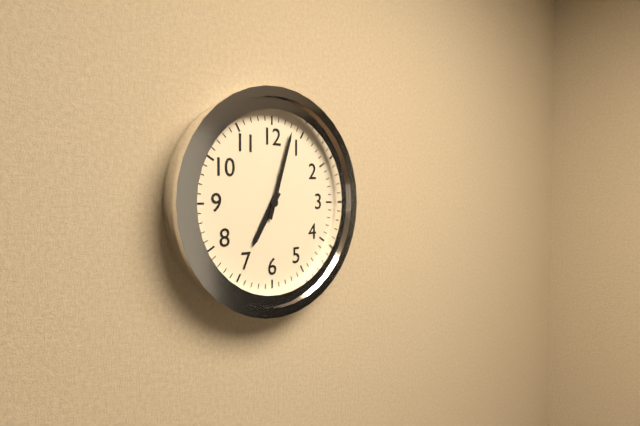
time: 7:03
